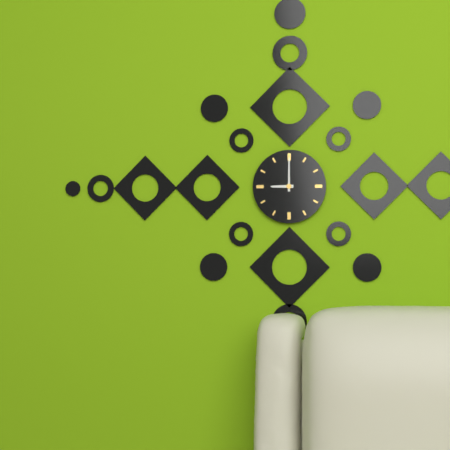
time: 9:00
